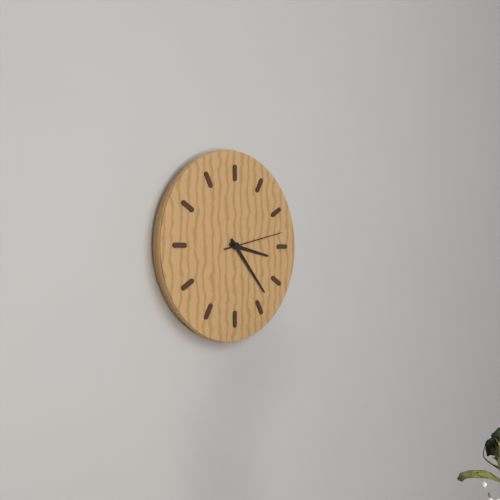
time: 3:23:13
